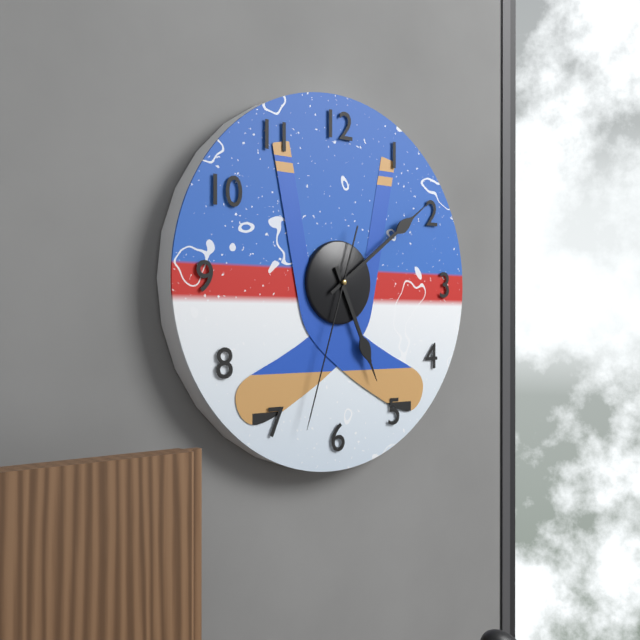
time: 5:09:33
